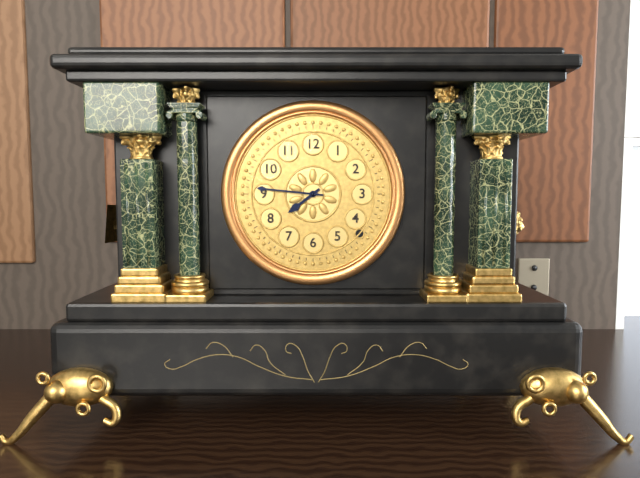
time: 7:46
